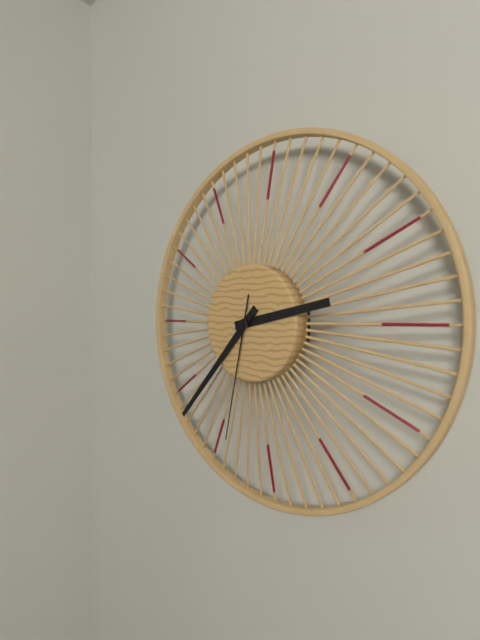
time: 2:37:32
